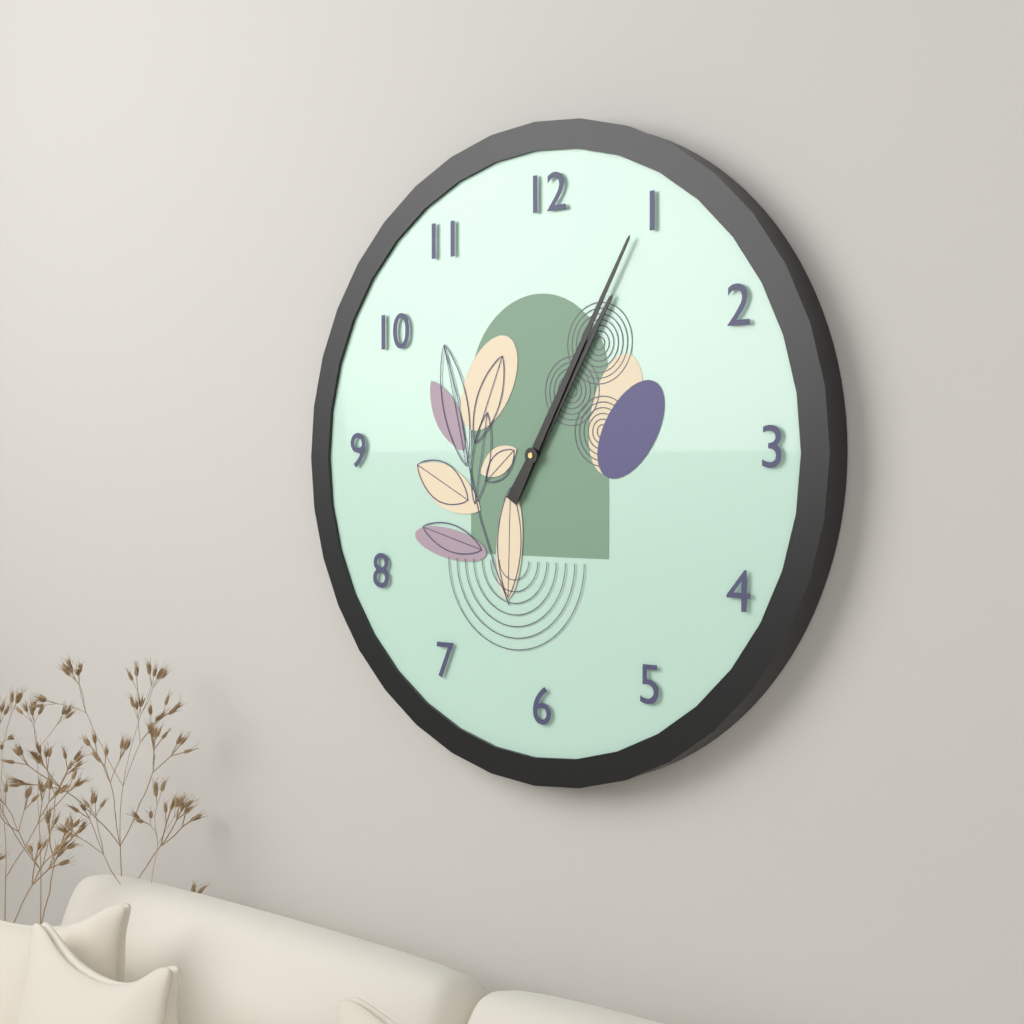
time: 1:05
